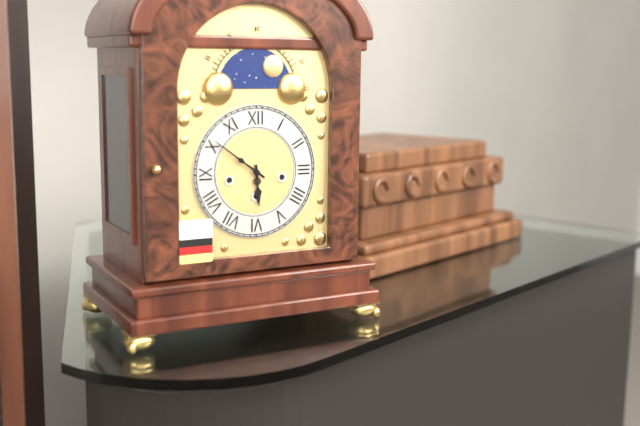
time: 5:51
